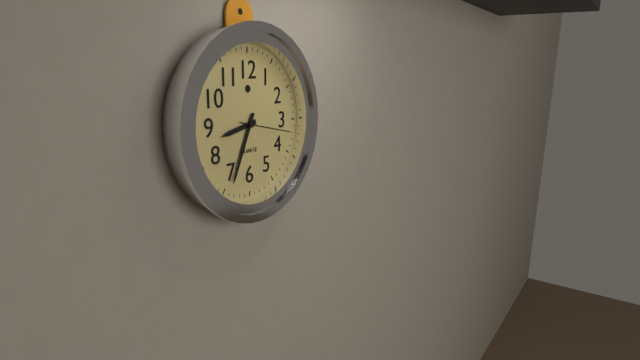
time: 8:34:17
